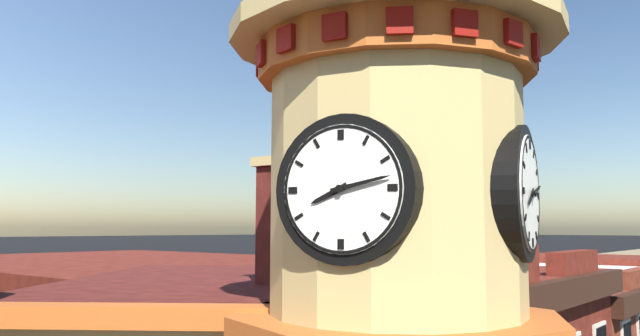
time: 8:13
